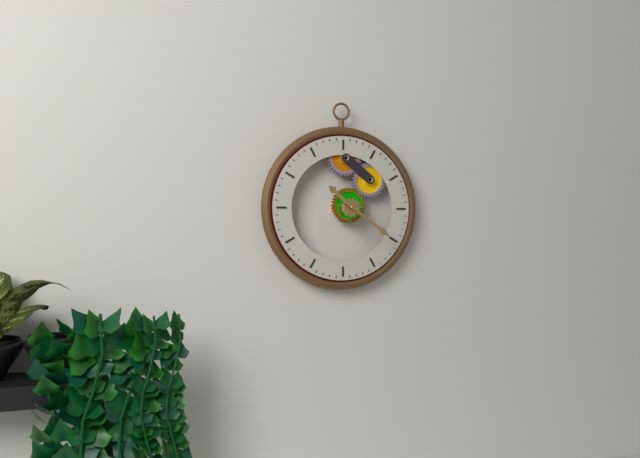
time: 10:21
